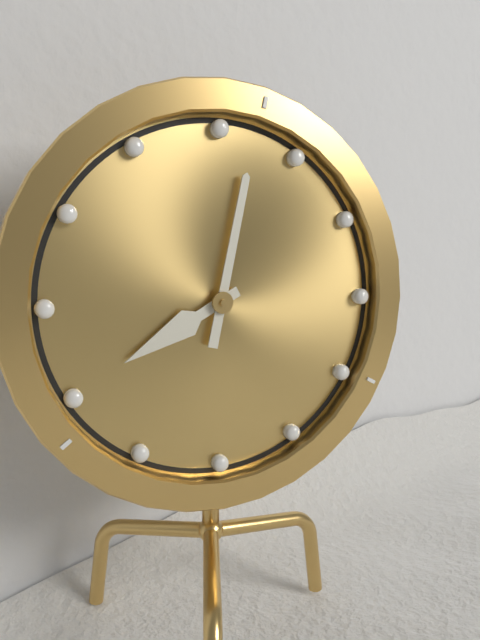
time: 8:02
